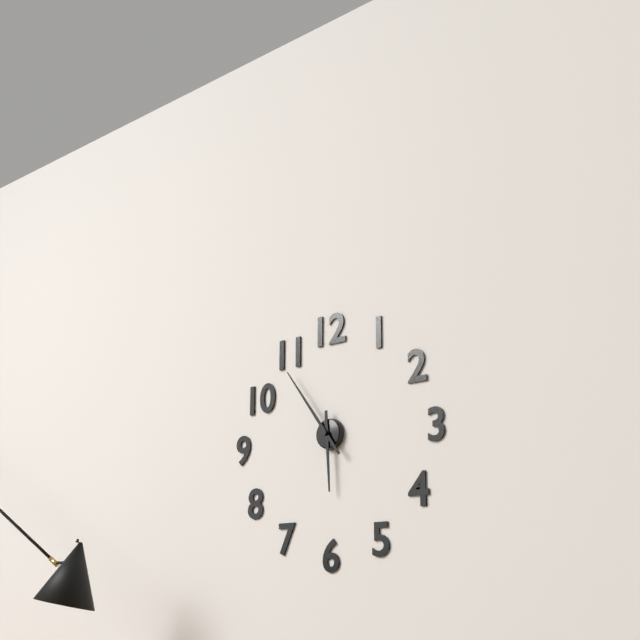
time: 5:54
